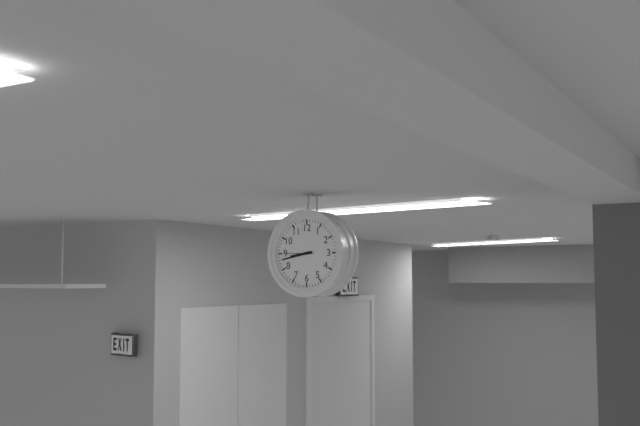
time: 8:43
